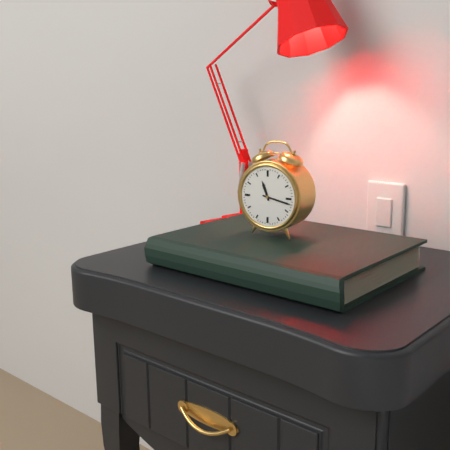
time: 11:17
